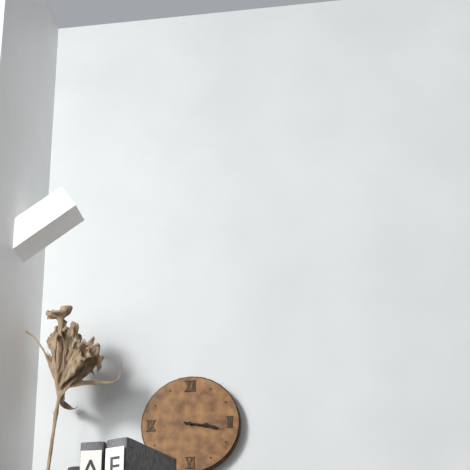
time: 3:17
